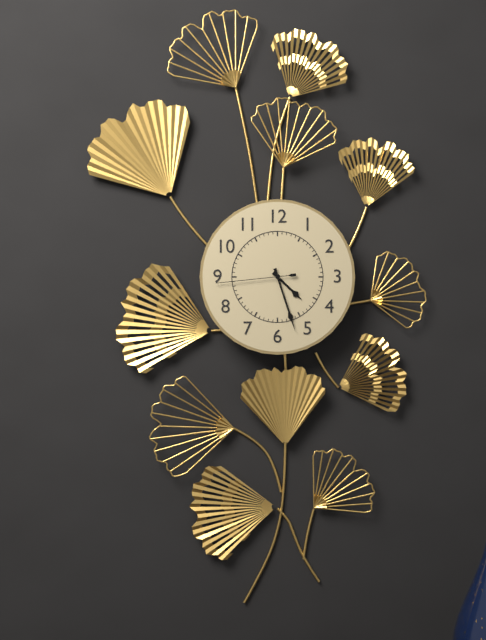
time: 4:27:44
